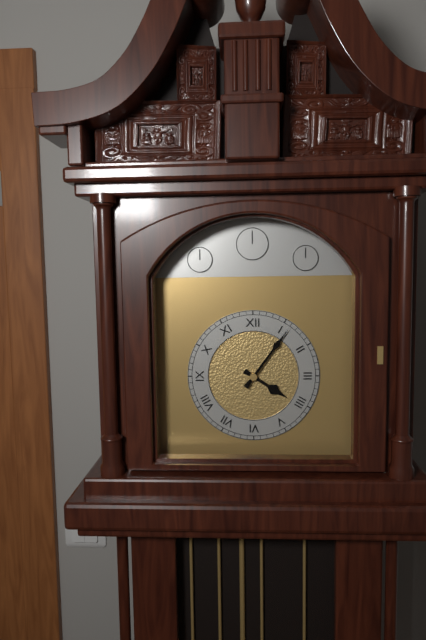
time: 4:06
